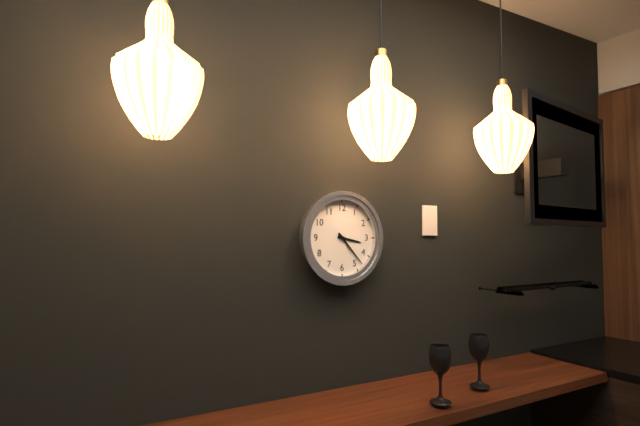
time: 3:23
